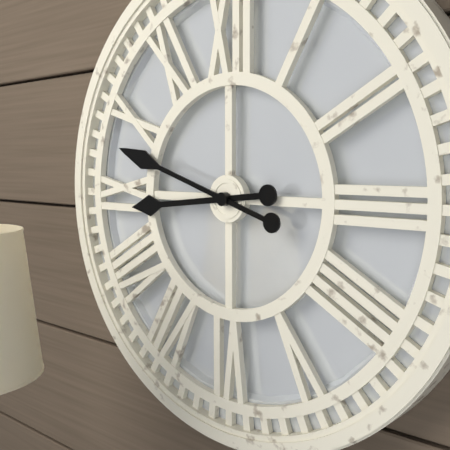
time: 8:48
